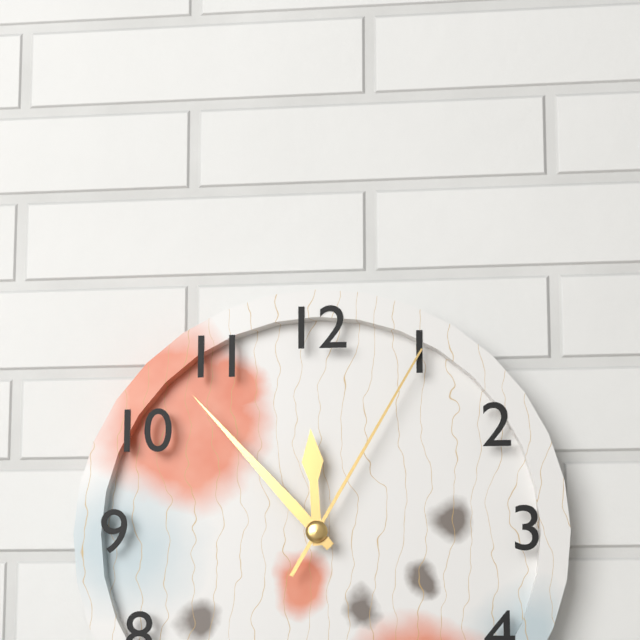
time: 11:53:05
